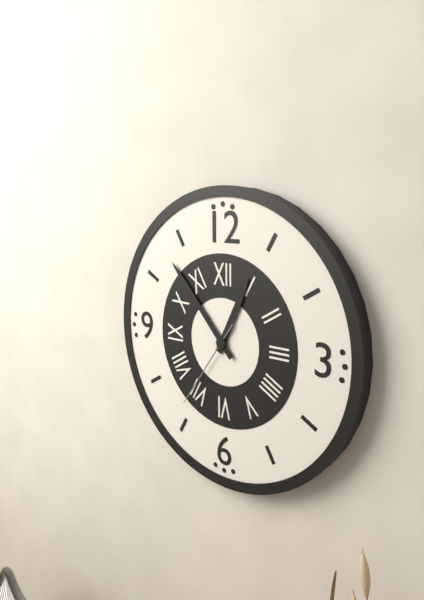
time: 12:53:36
